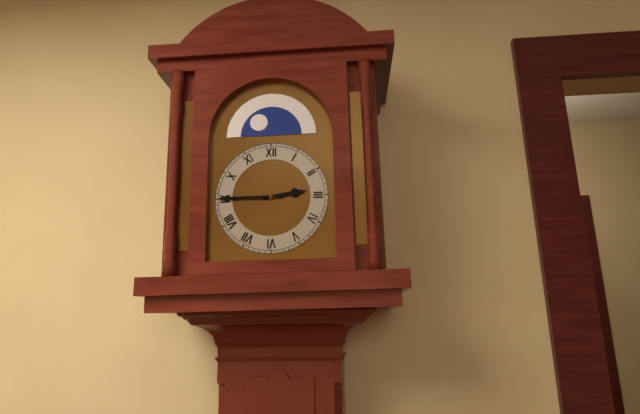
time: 2:45
